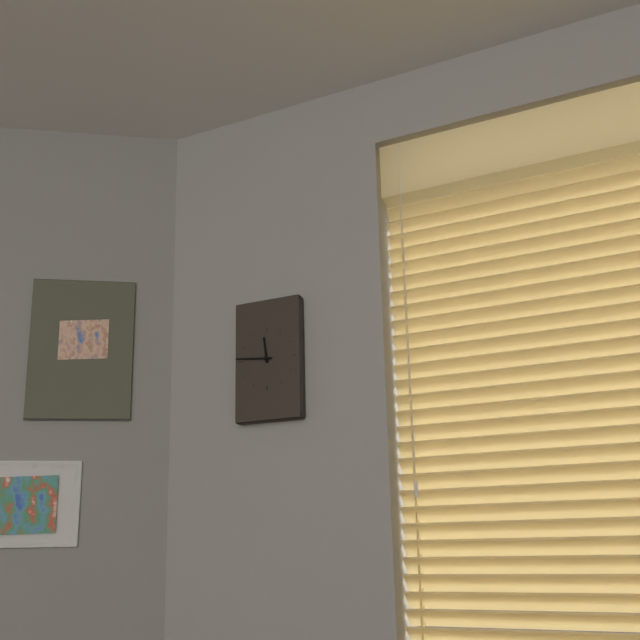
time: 11:46
